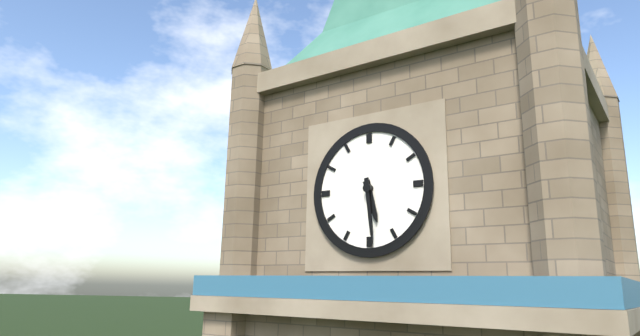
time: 5:29
